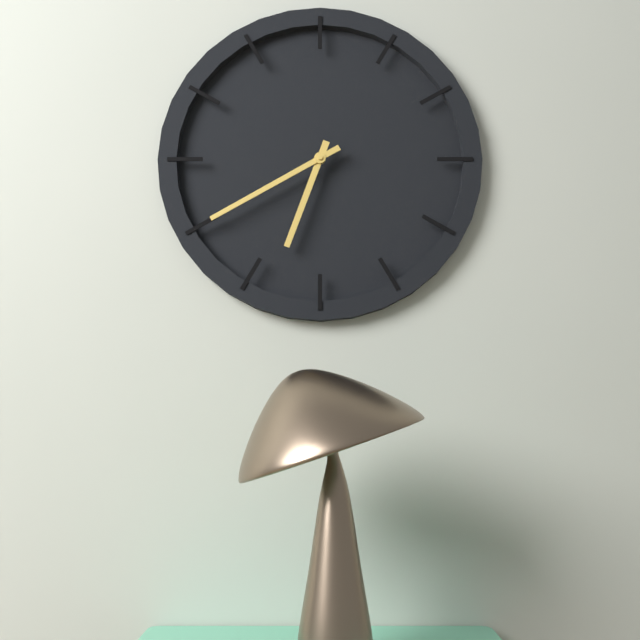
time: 6:40
